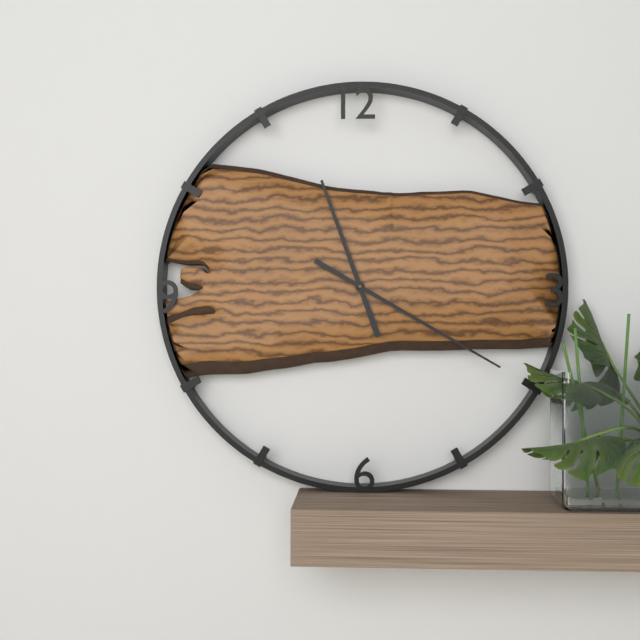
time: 11:20
